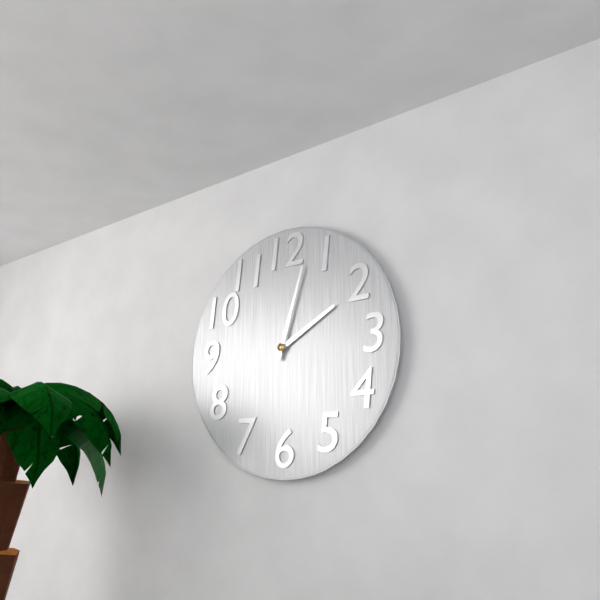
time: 2:03
